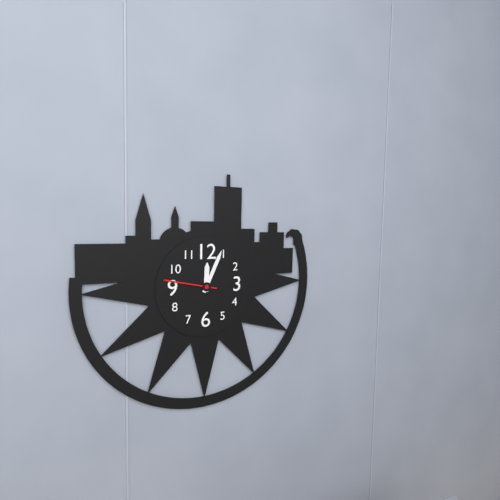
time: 12:04:47
